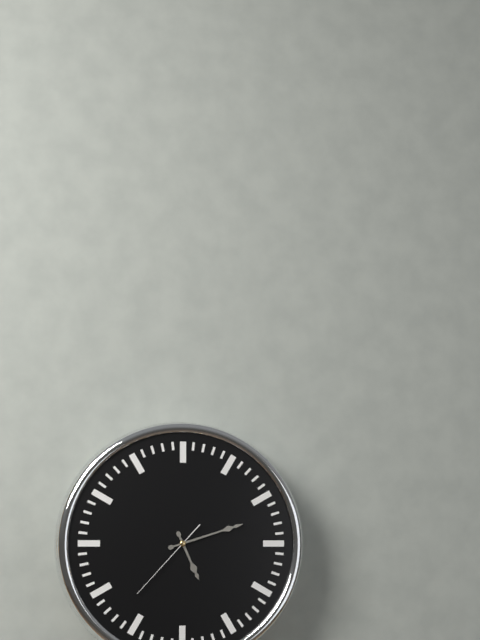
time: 5:12:37
